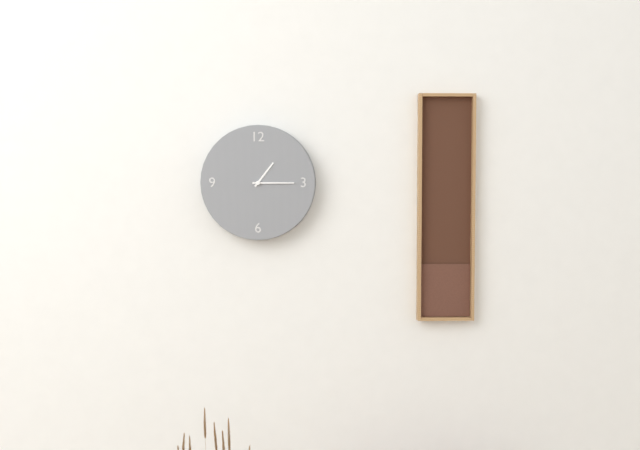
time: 1:15
